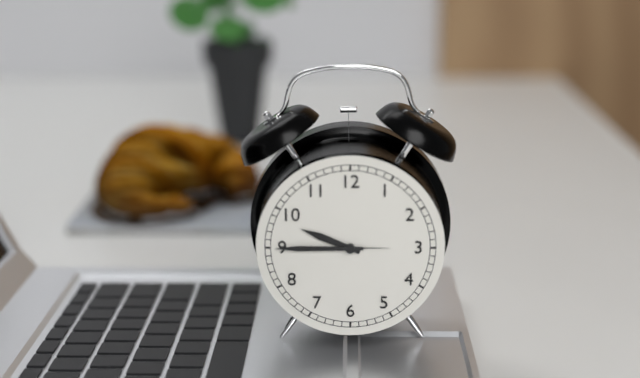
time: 9:45
